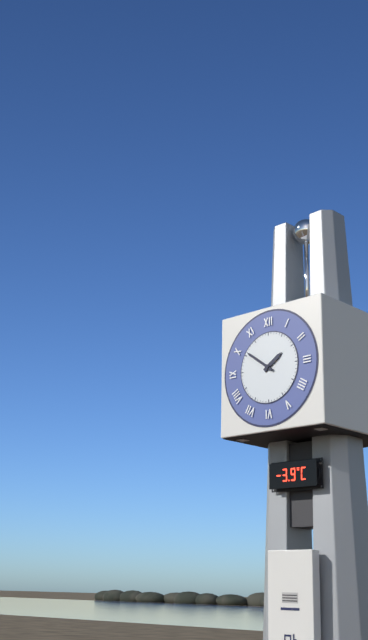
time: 1:51
